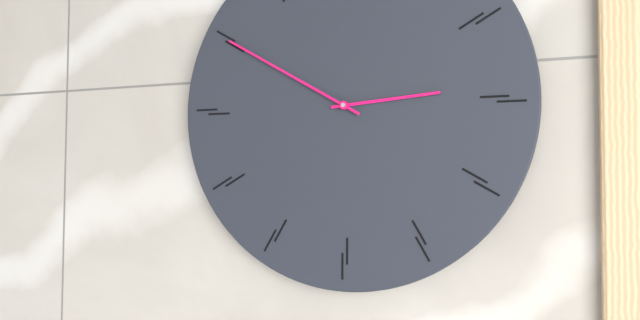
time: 2:50
